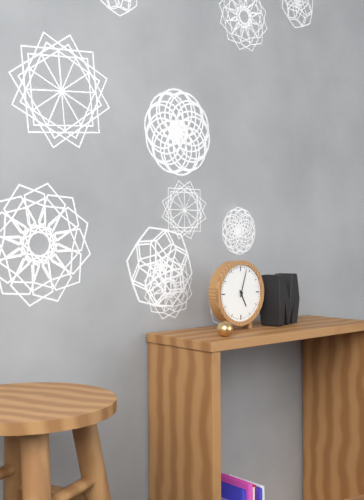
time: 5:03
